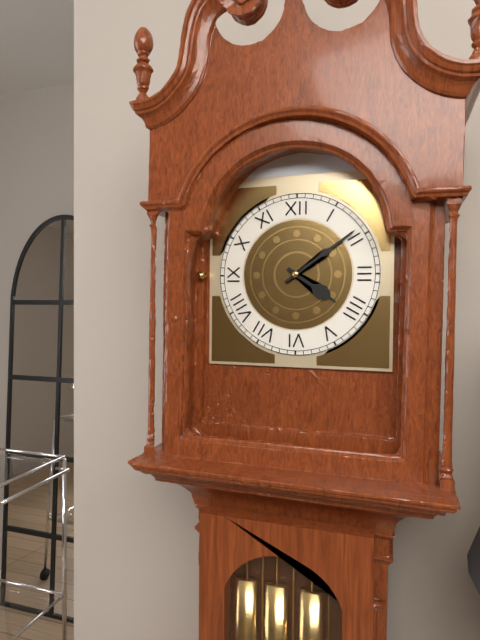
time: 4:09
